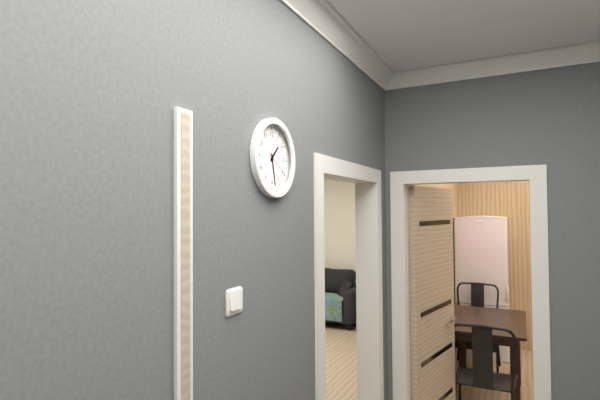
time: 1:28
